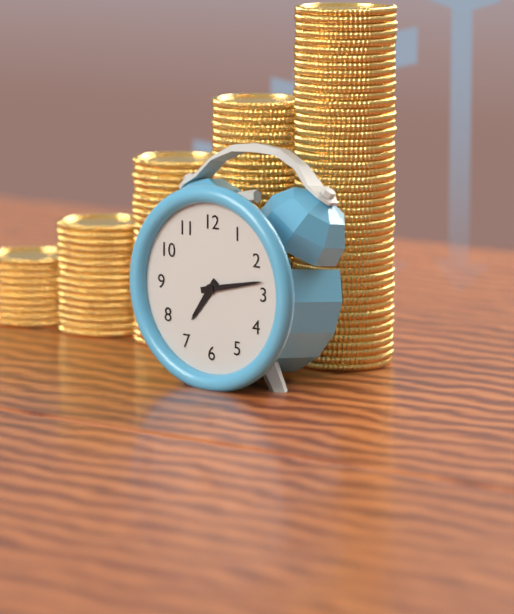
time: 7:13
